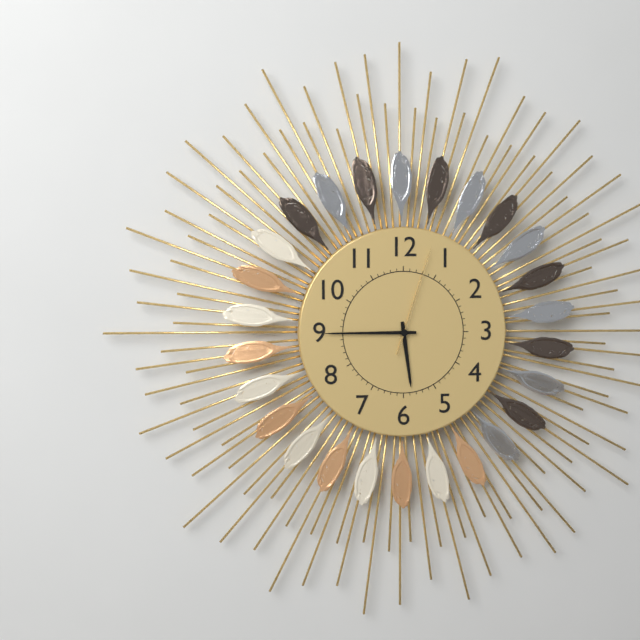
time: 5:45:03
